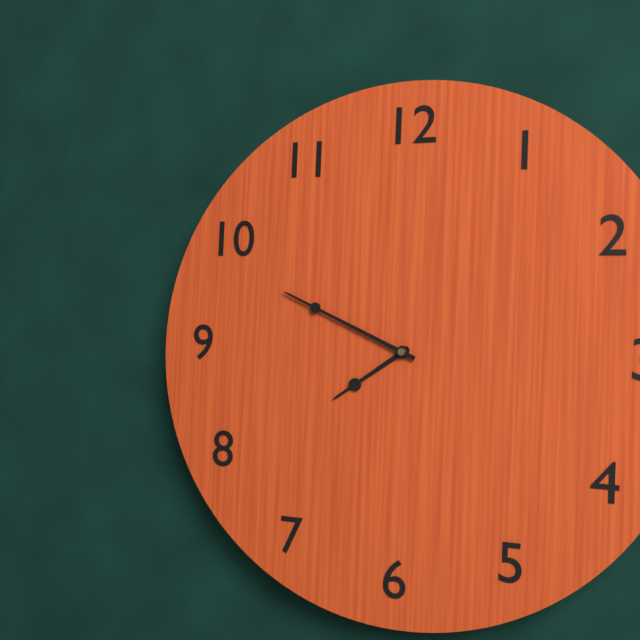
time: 7:49
